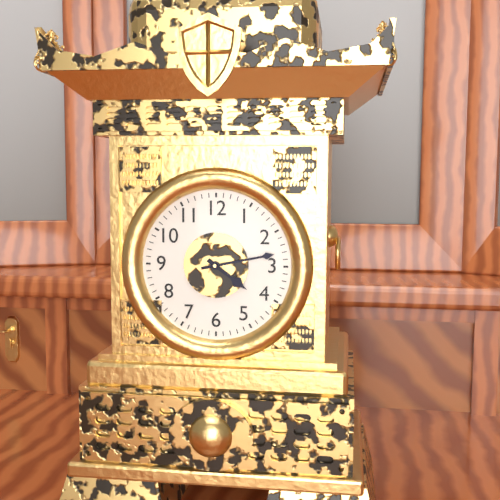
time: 4:13
